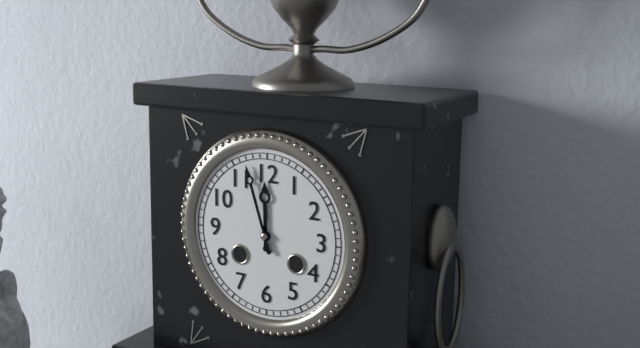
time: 11:57
